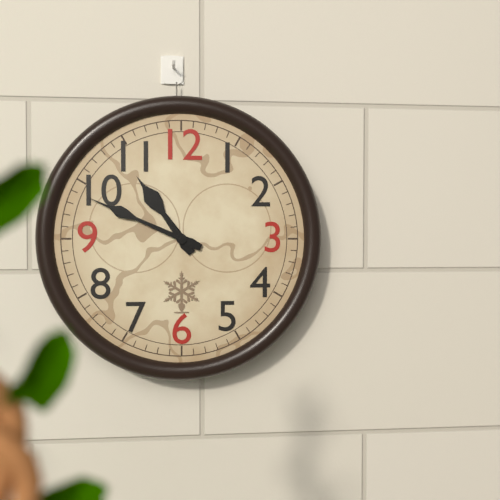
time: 10:49
